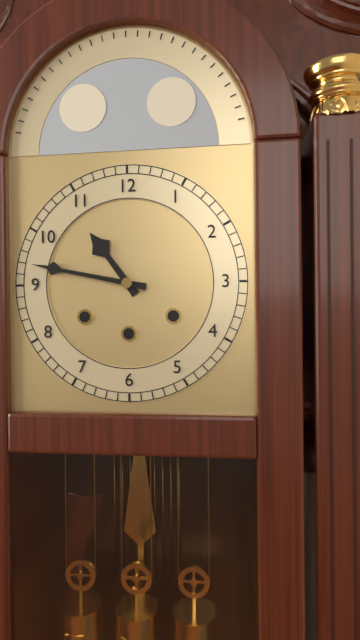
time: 10:47
